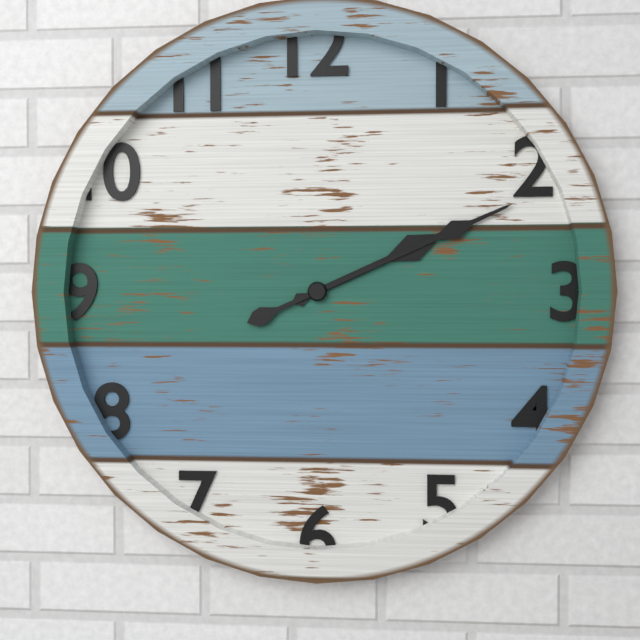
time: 2:11
